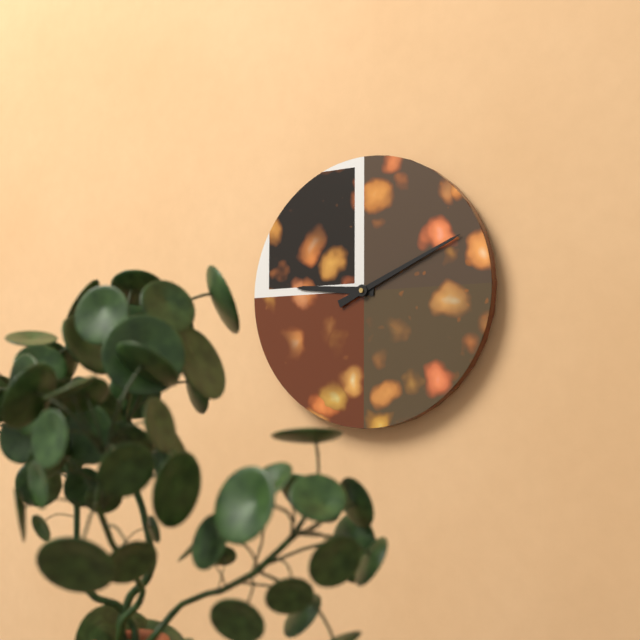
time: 9:11
